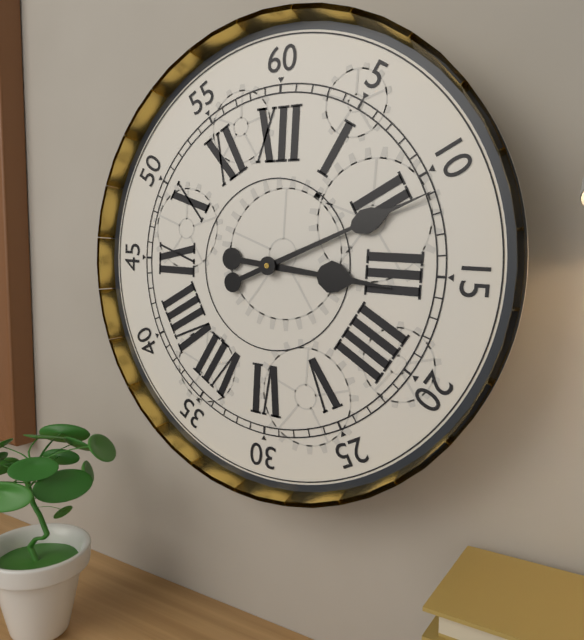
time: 3:11
